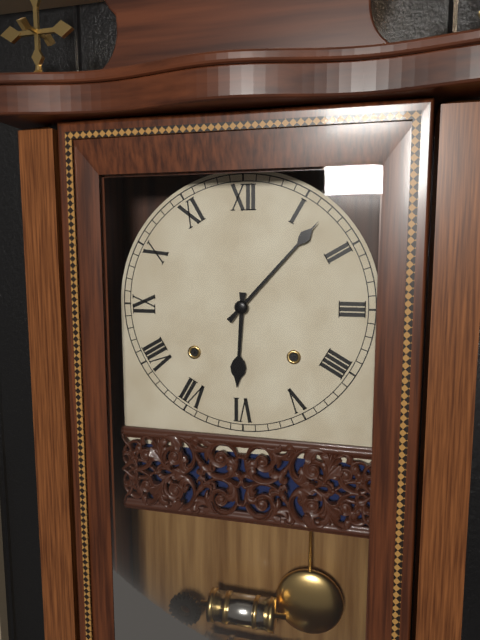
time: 6:07
